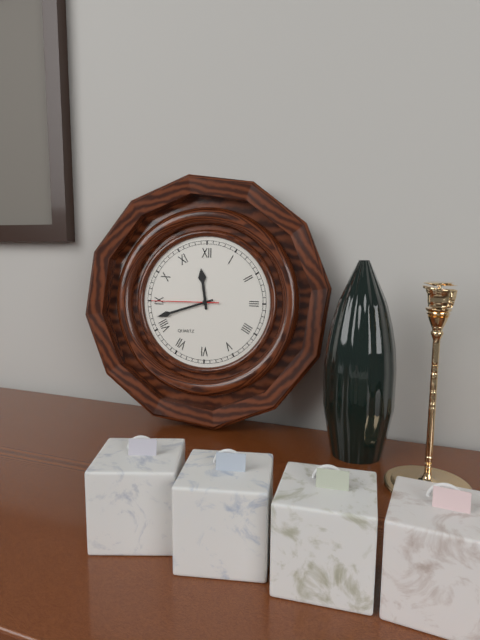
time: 11:42:45
